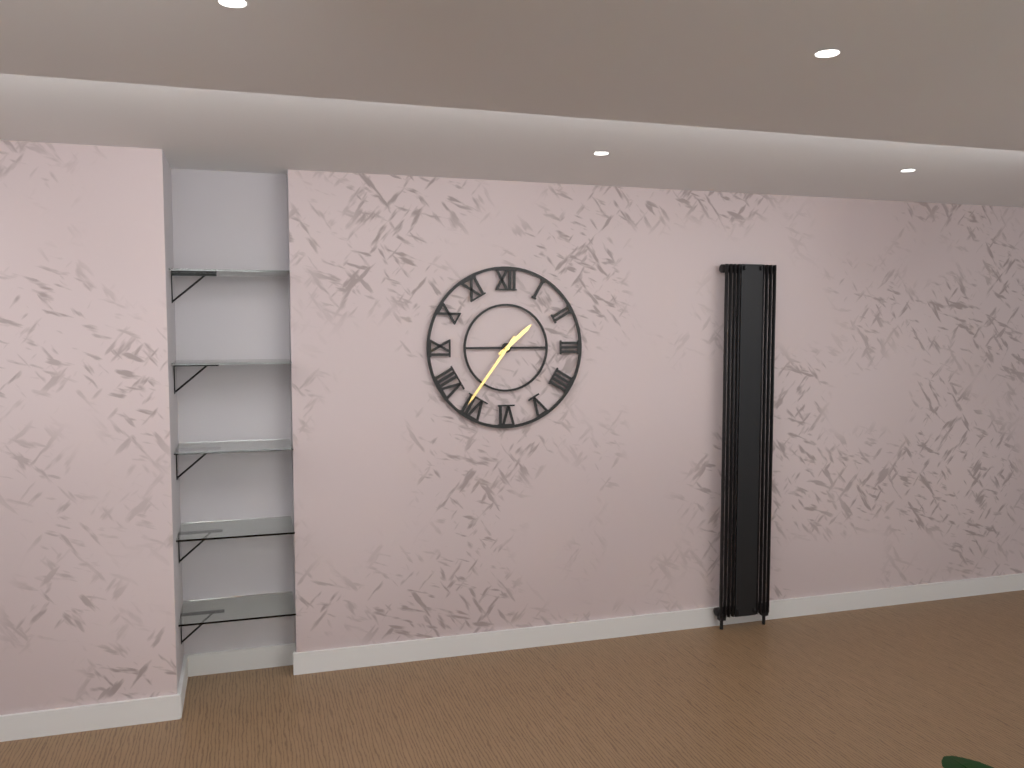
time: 1:36
